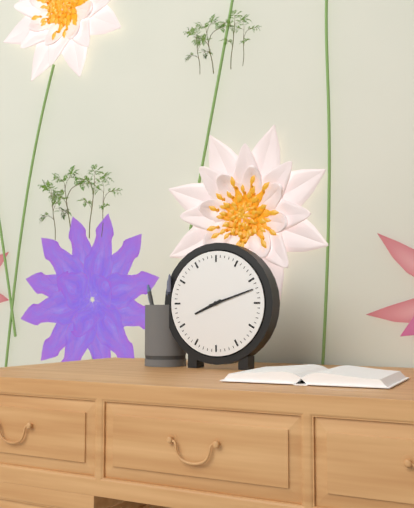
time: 8:12
